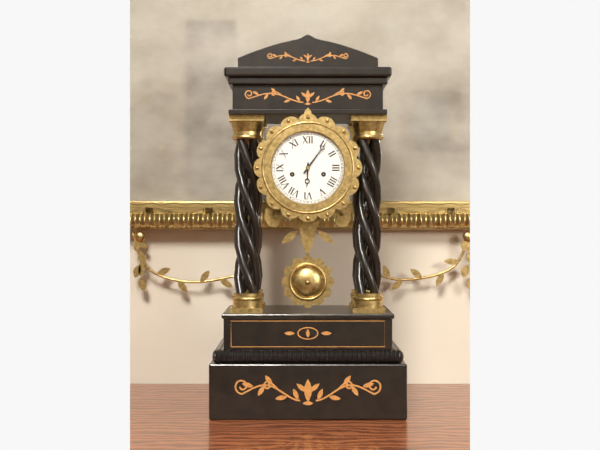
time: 6:06
